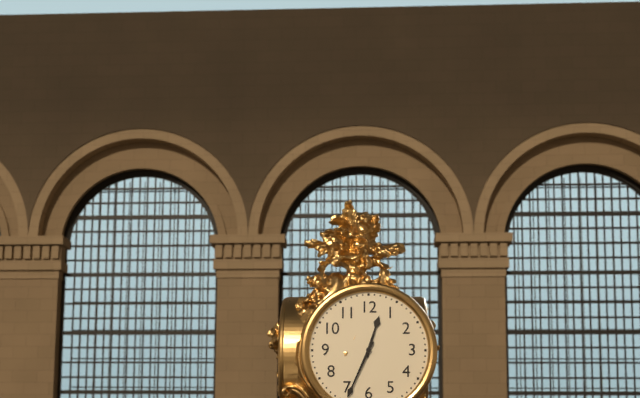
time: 12:34
